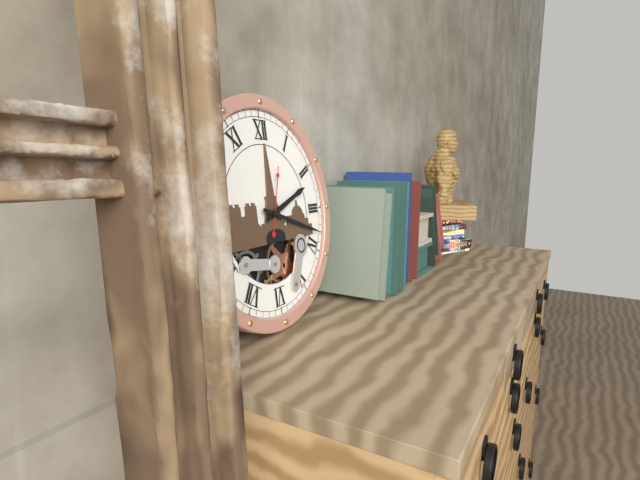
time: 2:18:03
